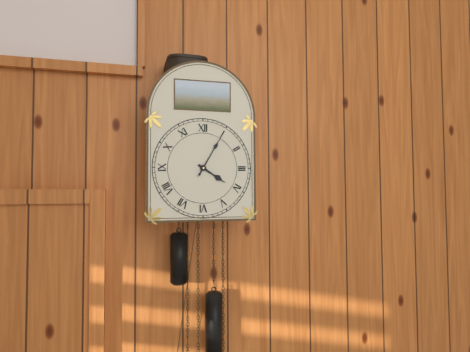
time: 4:05
